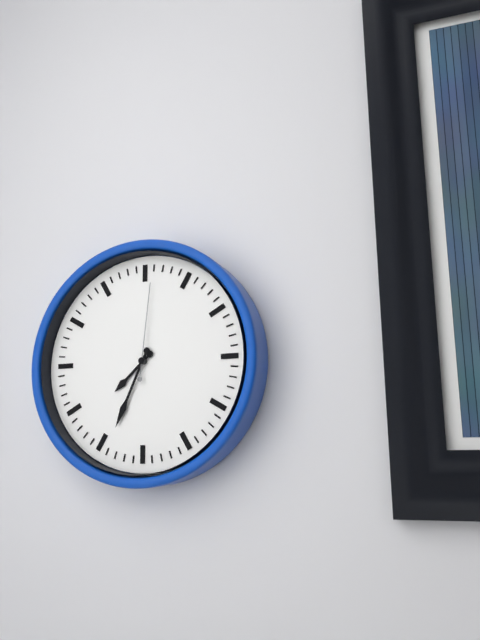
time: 7:34:01
